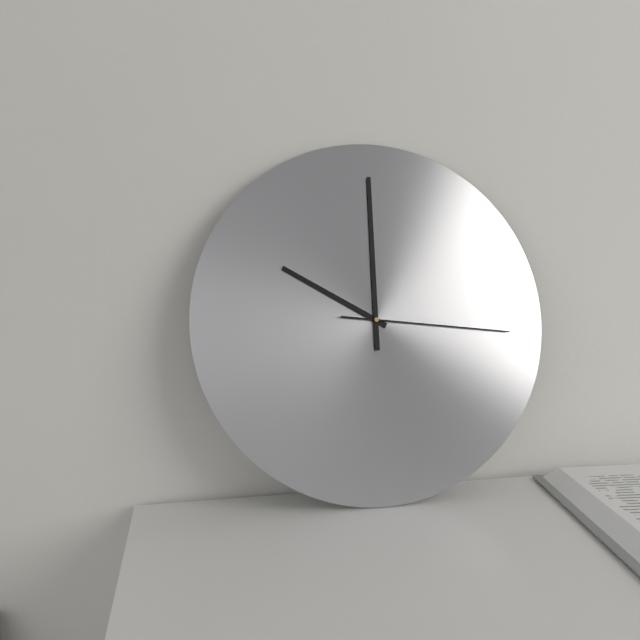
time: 10:00:16
